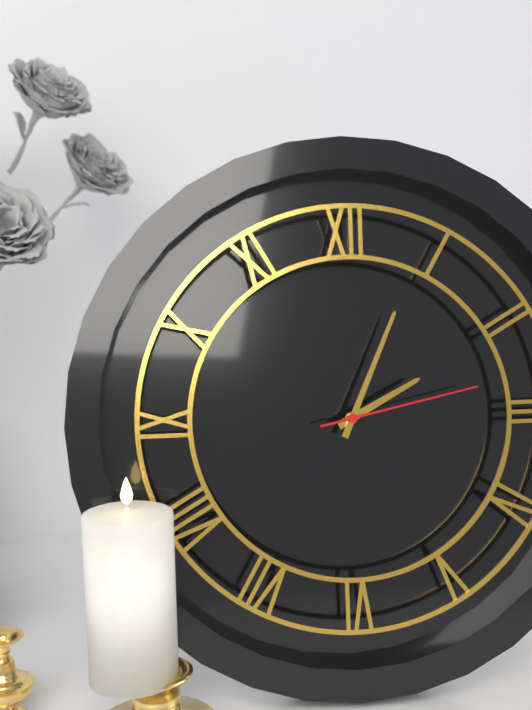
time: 2:04:13
